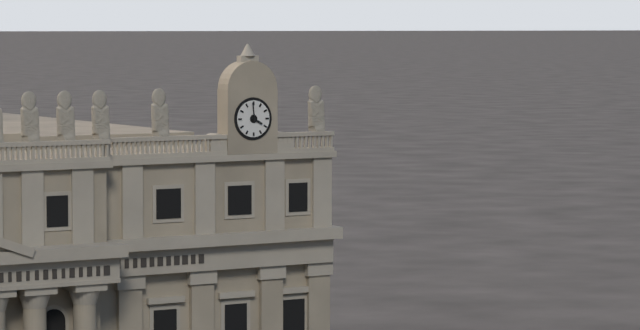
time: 3:59
